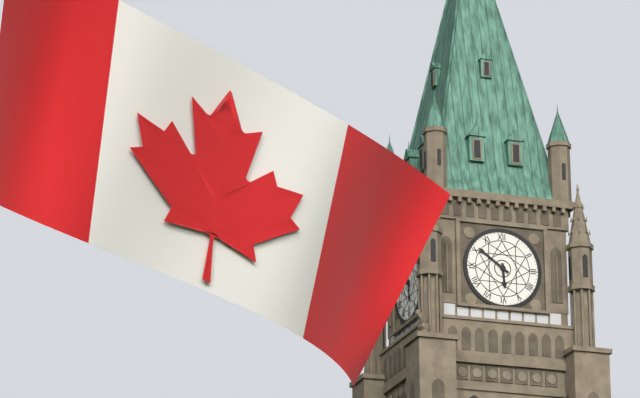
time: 5:51
